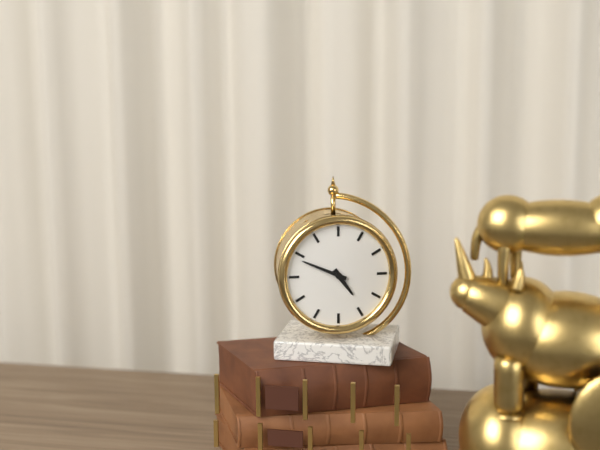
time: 4:49
